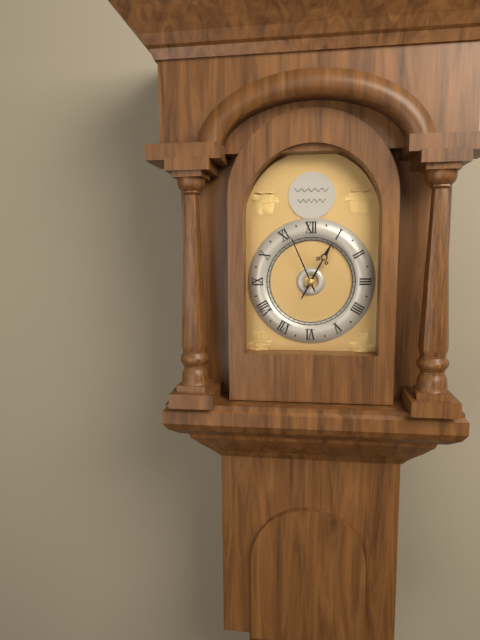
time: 12:56
